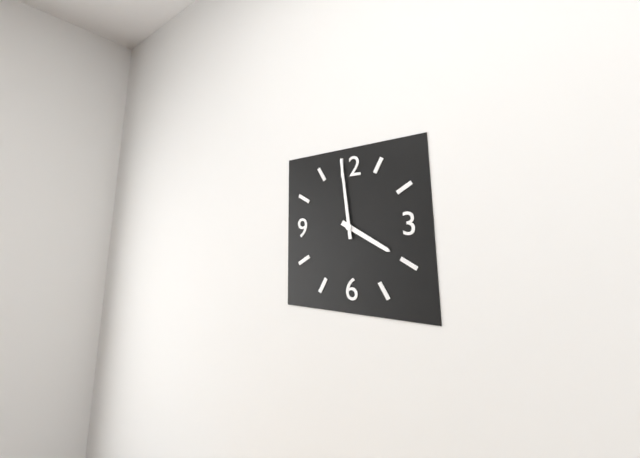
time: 3:59
